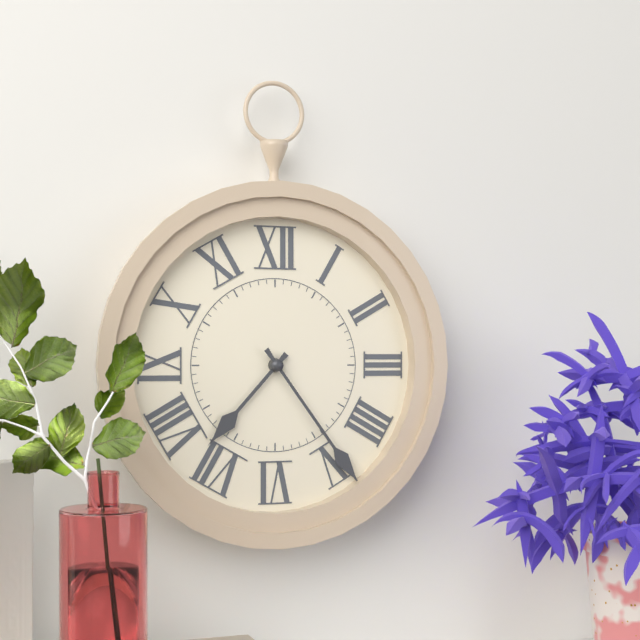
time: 7:24
